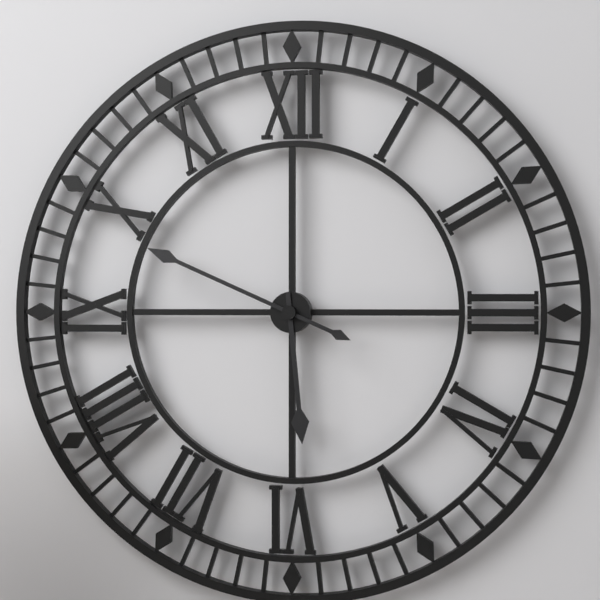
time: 5:49
